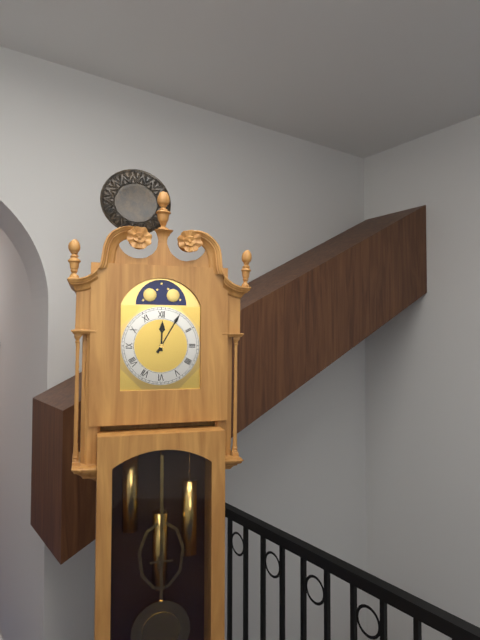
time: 12:05
